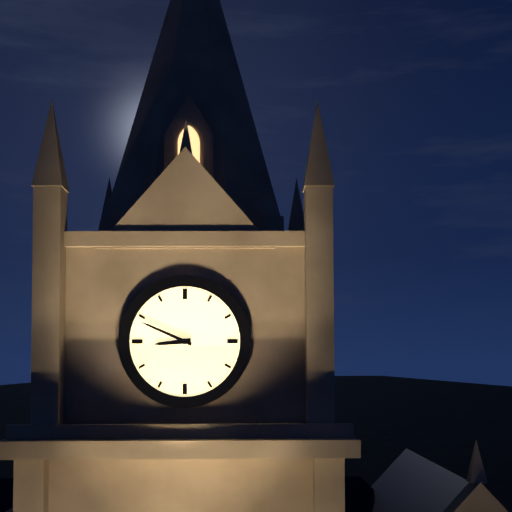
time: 8:49
